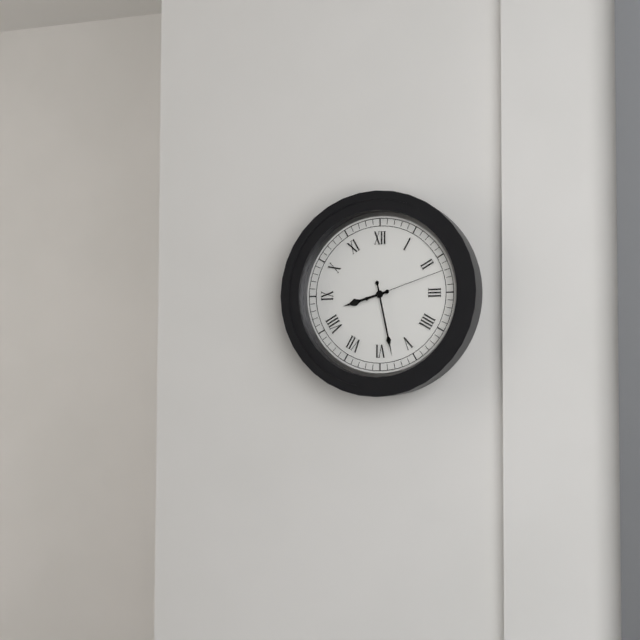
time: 8:28:12
